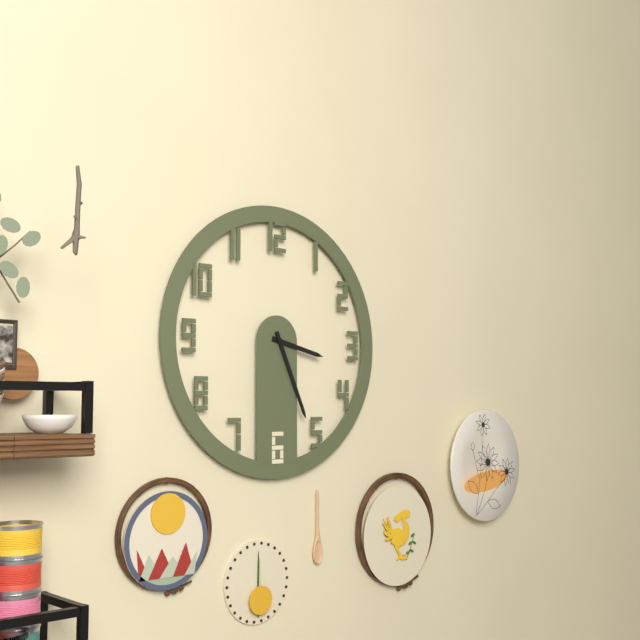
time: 3:26
